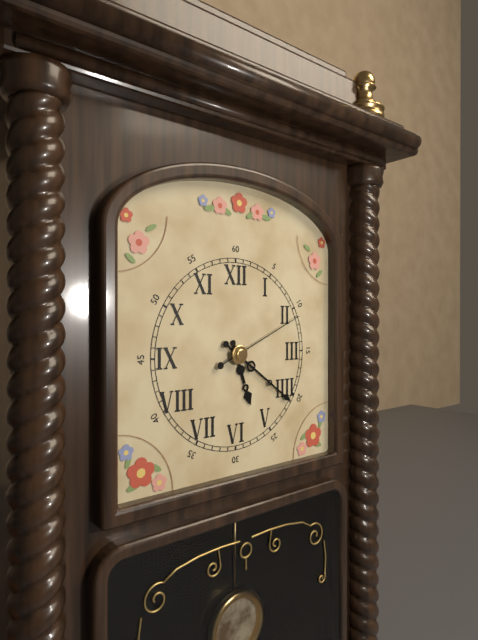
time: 5:21:11
